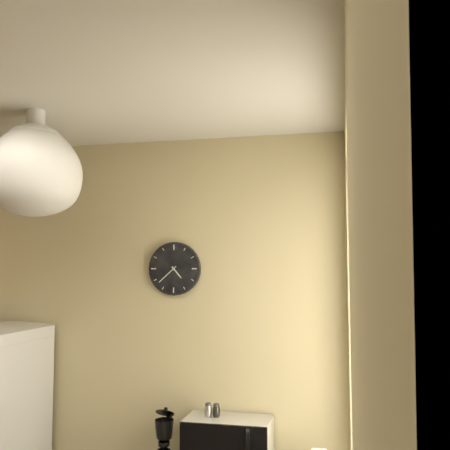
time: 4:38
